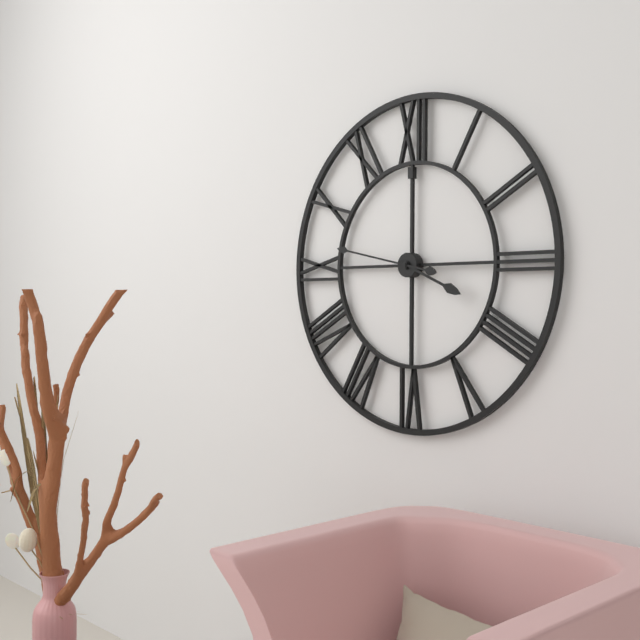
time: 3:47
